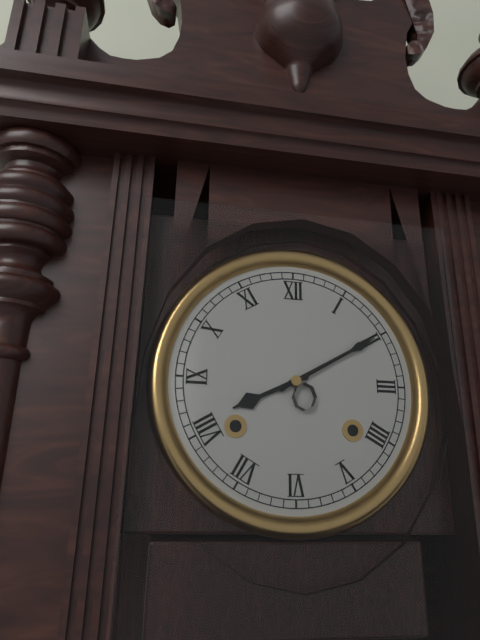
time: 8:10
